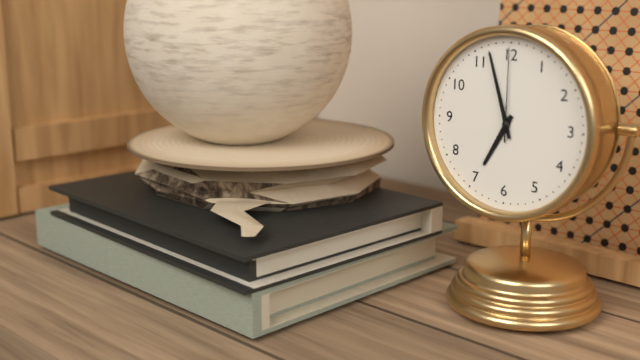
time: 6:57:00
